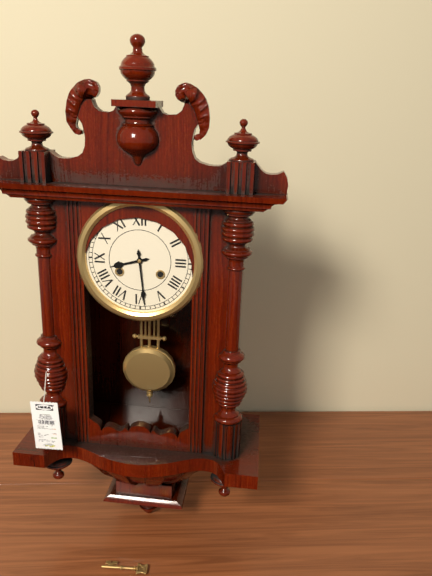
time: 8:29
